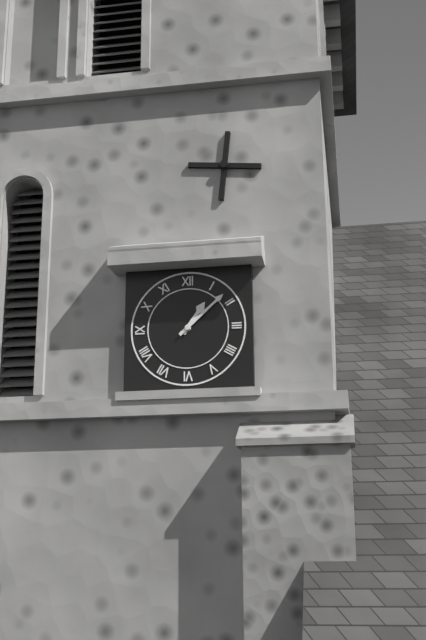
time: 1:08
